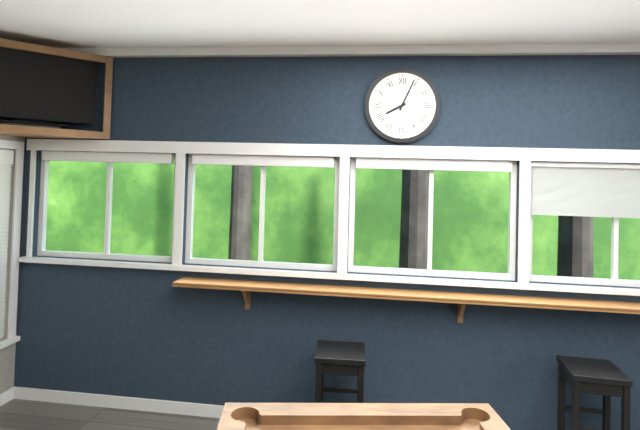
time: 8:04
